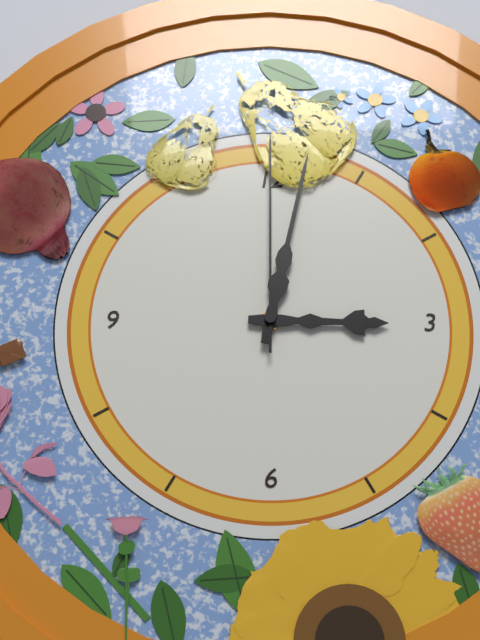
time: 3:02:00
